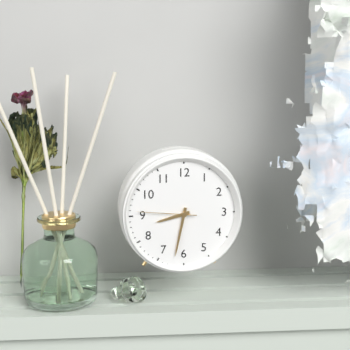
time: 8:32:46
